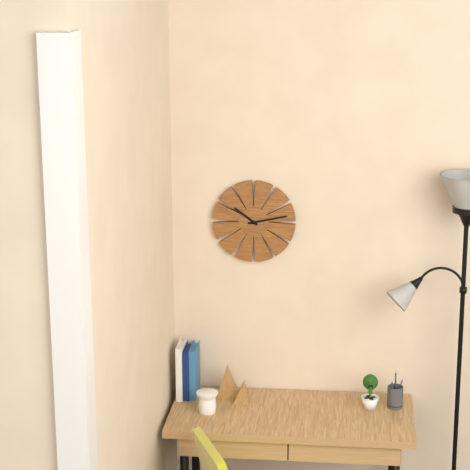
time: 10:13
